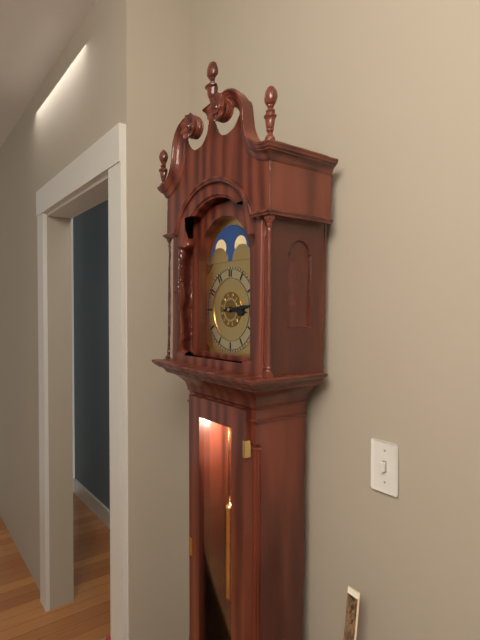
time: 3:14
